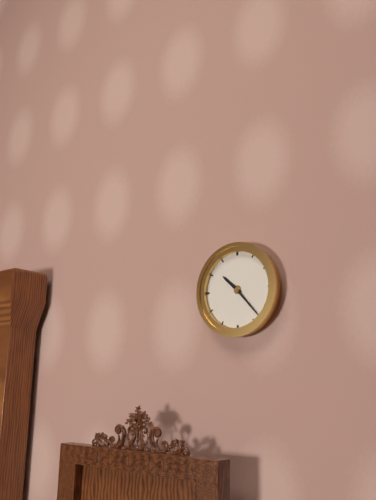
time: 10:23
